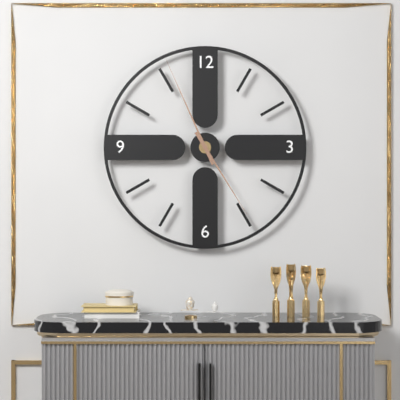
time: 4:56
